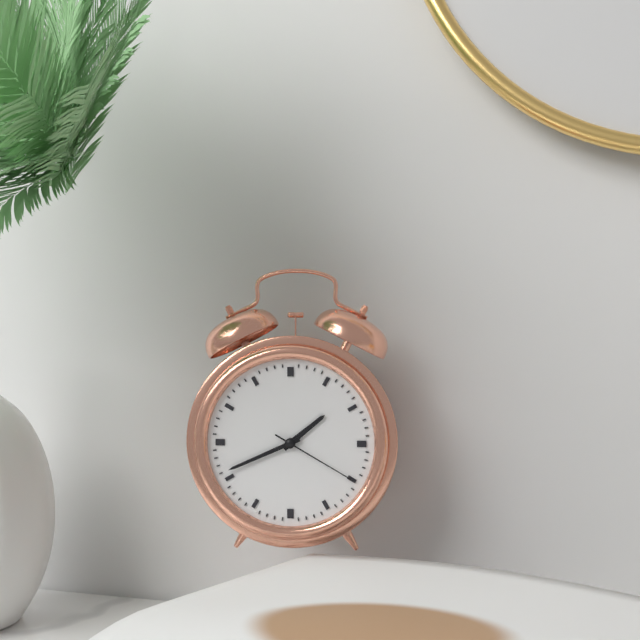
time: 1:41:20
